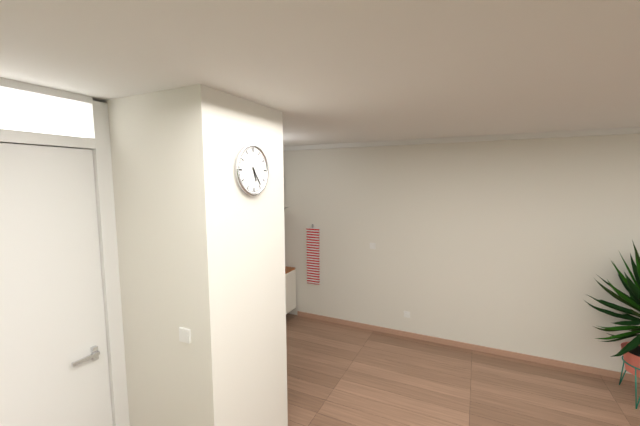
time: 5:24
